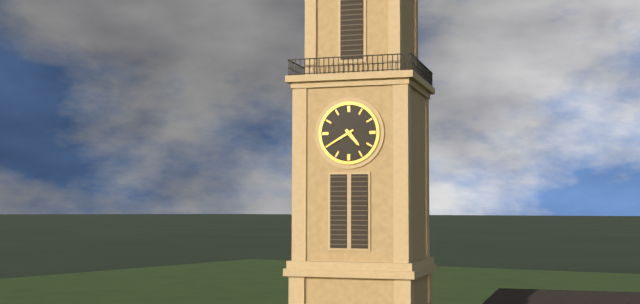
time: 4:40
